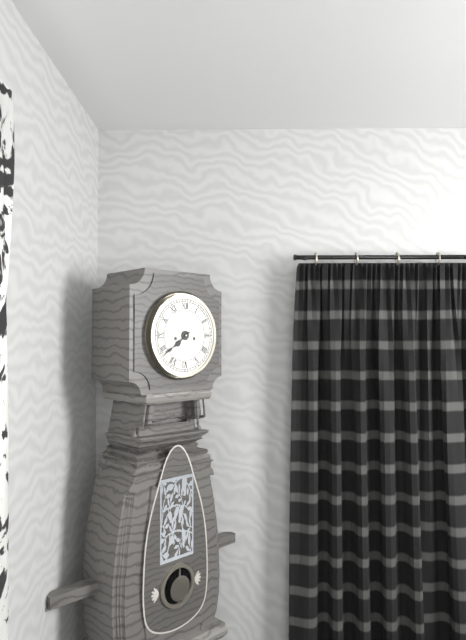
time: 7:39
